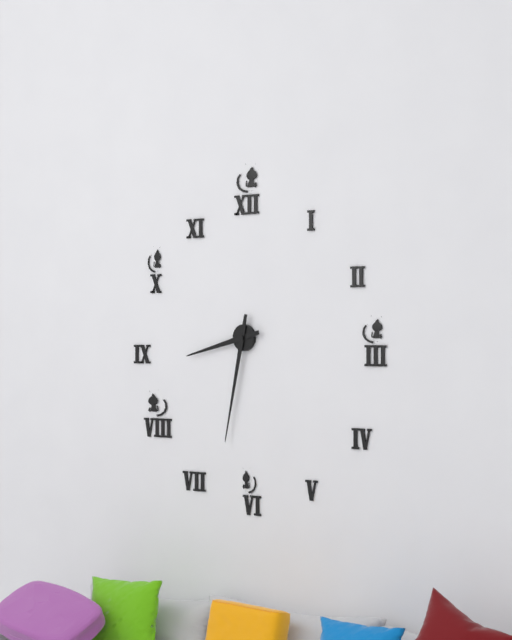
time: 8:32
